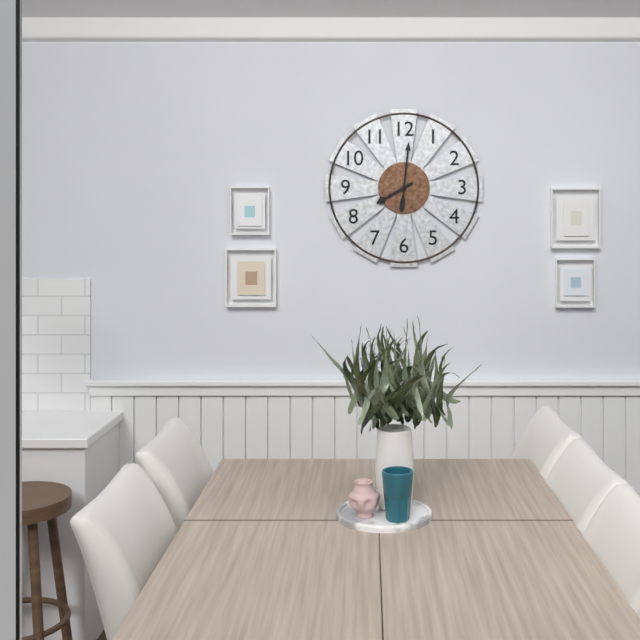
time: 8:01
